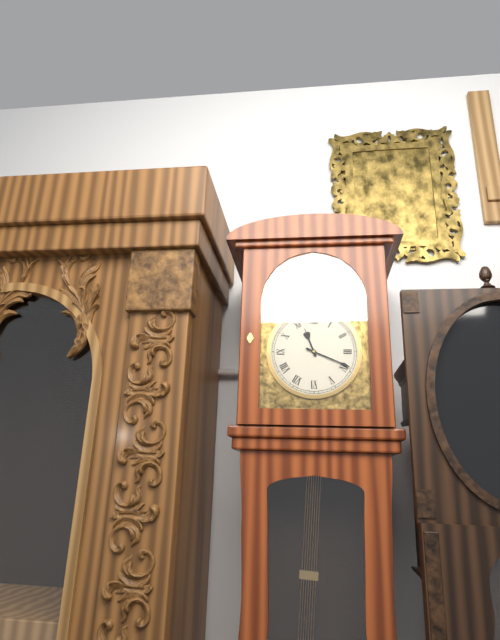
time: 11:19
